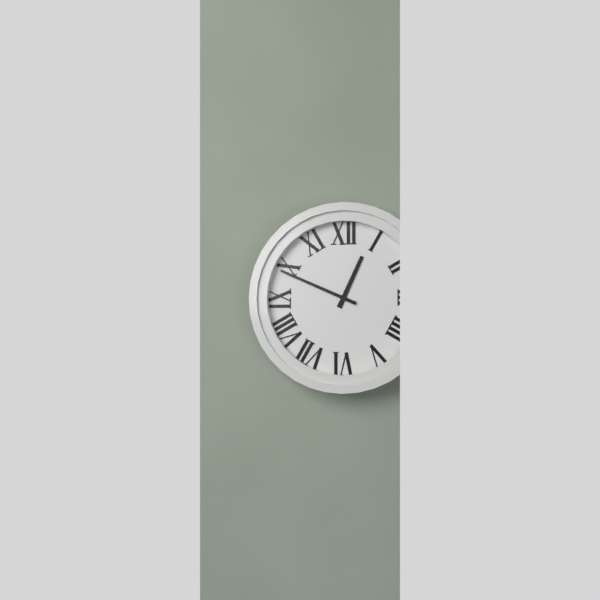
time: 12:49
